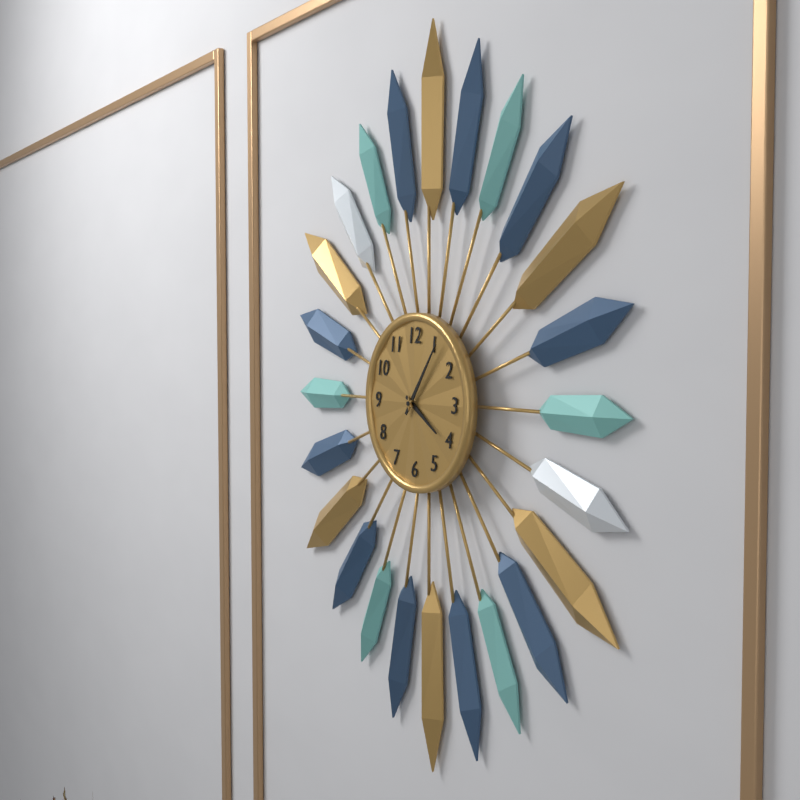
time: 4:06
